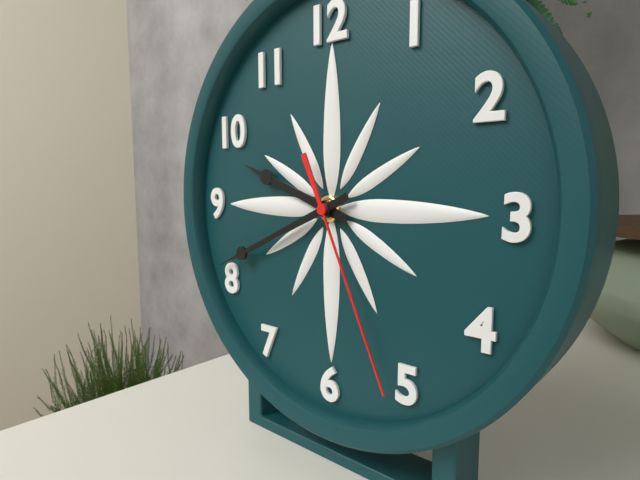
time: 9:41:26
